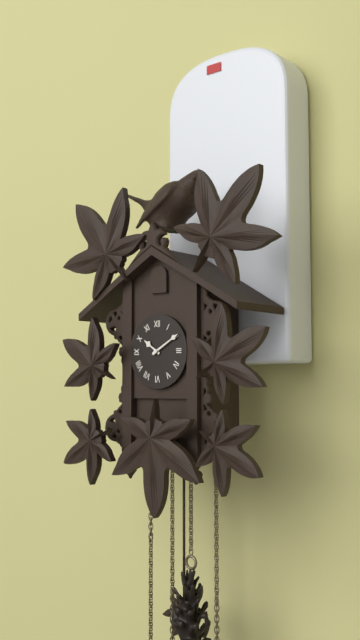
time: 10:10
